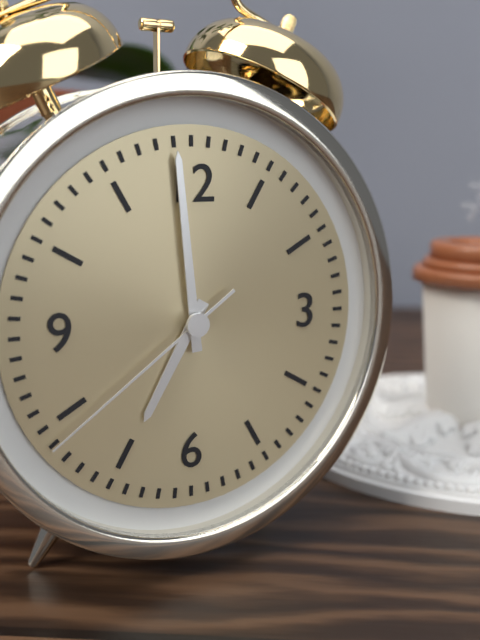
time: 6:59:39
